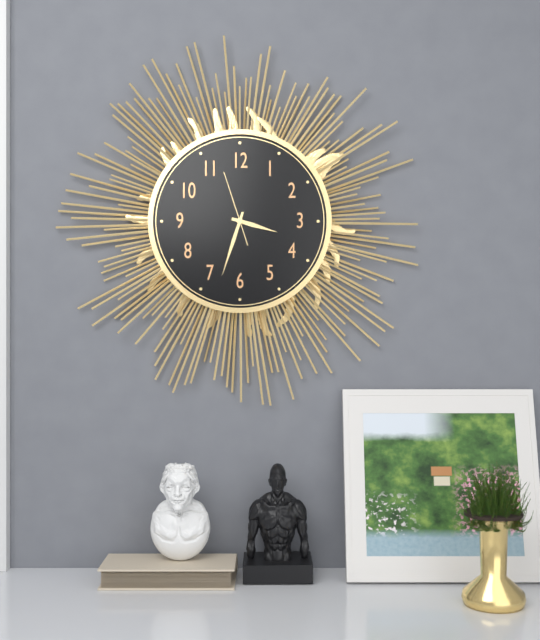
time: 3:33:57
